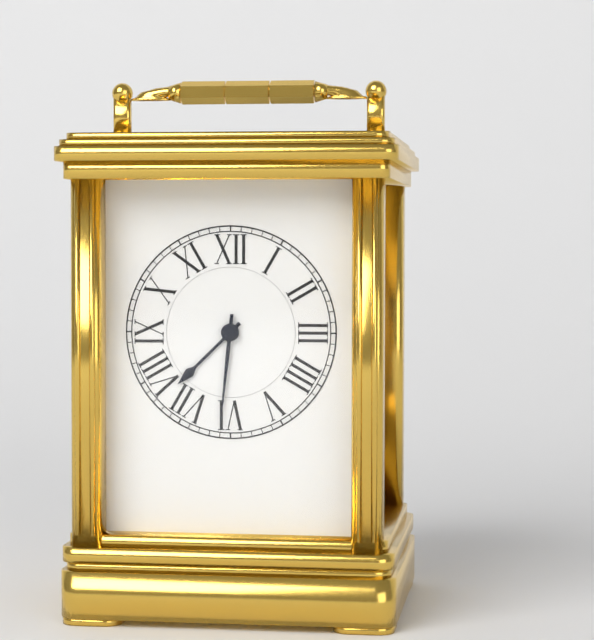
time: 7:31
